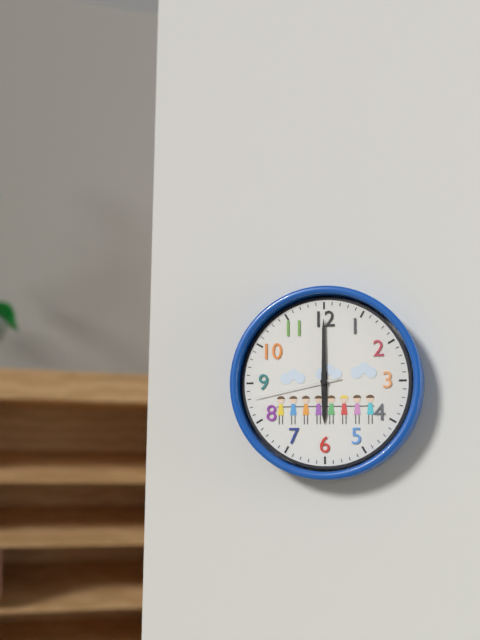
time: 6:00:43
